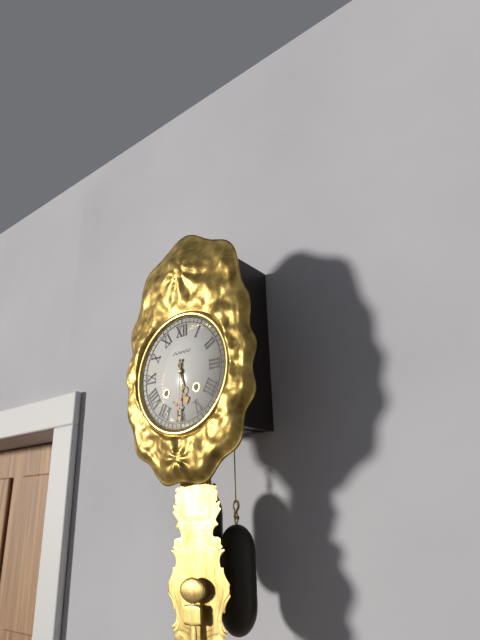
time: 5:30
